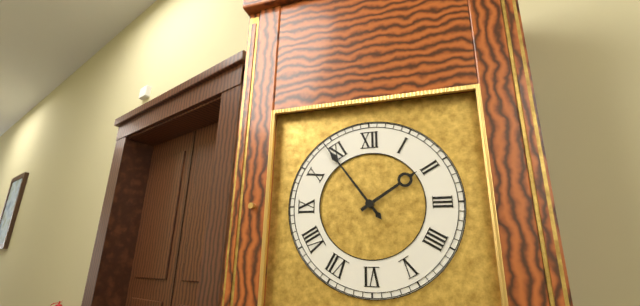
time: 1:54
